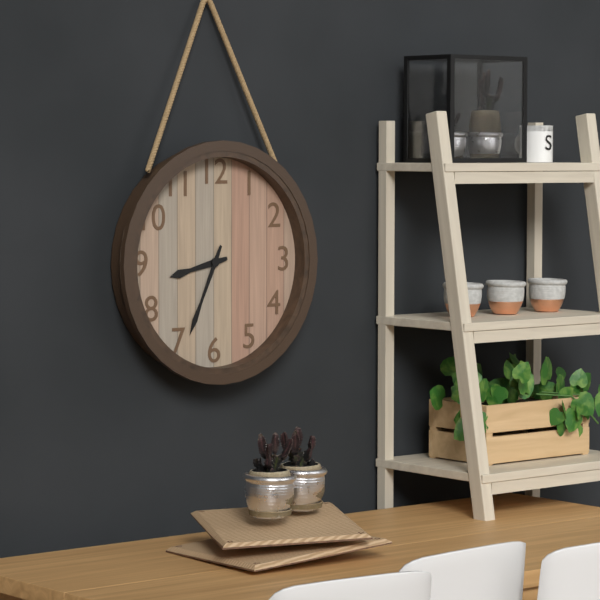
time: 8:34
